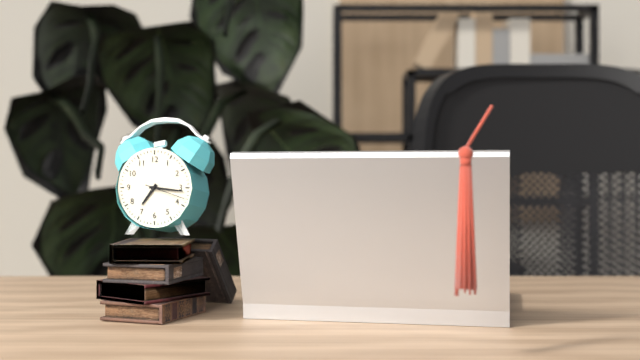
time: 7:16
